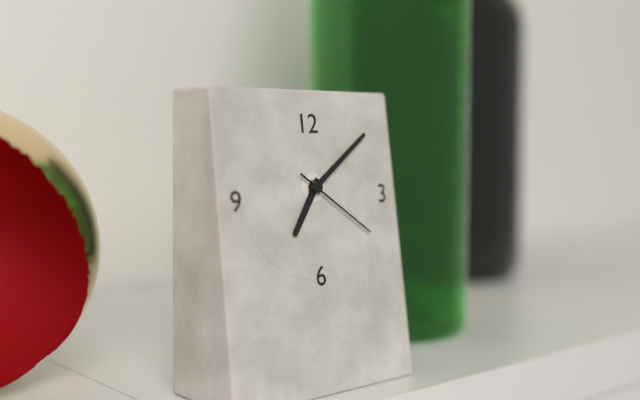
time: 7:09:21
